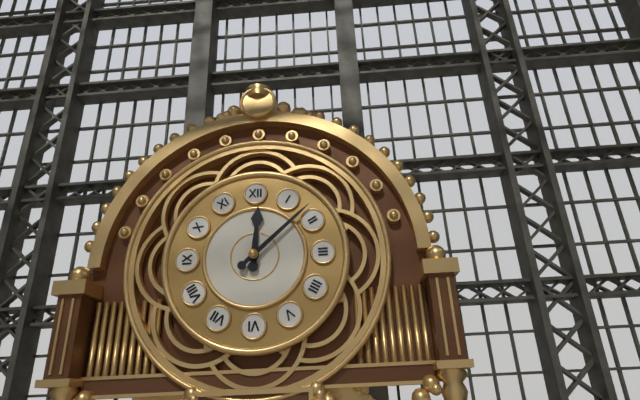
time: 12:08
